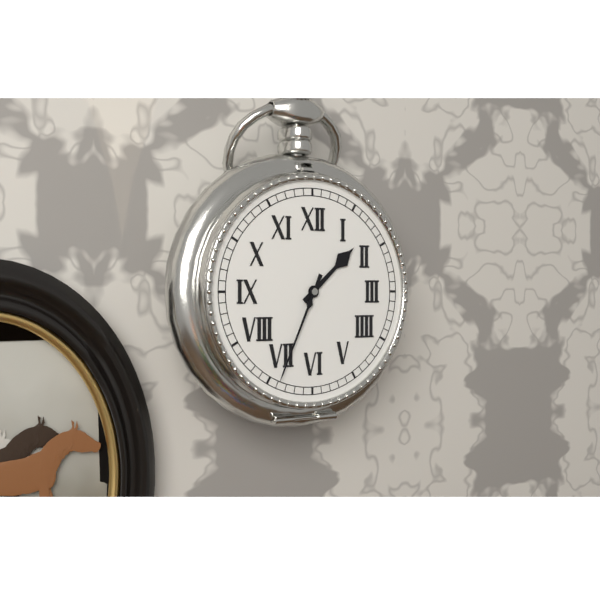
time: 1:34
